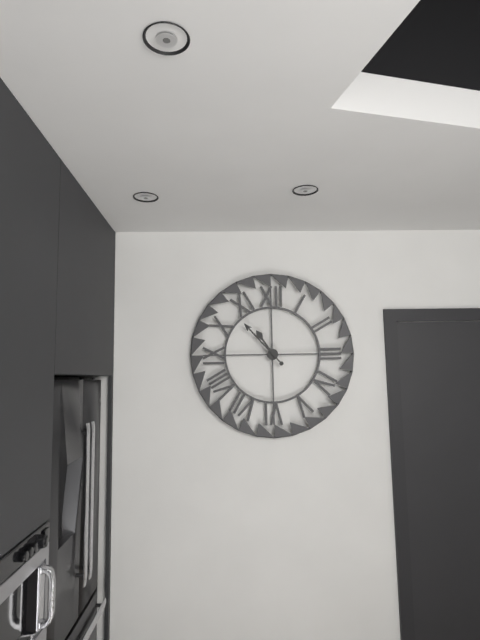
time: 10:53
